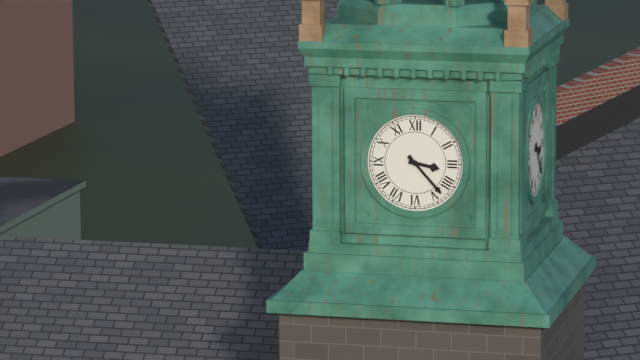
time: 3:23
